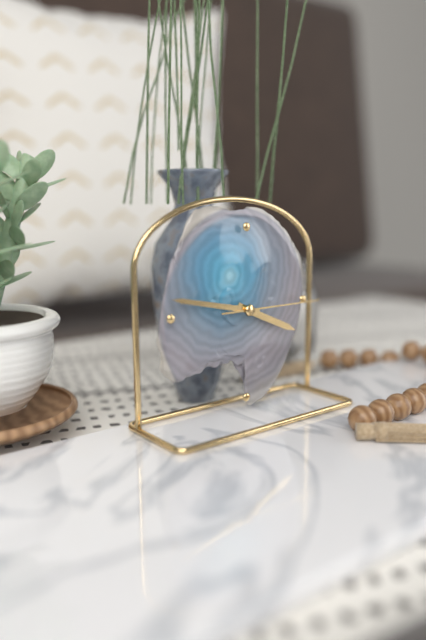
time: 3:47:15
